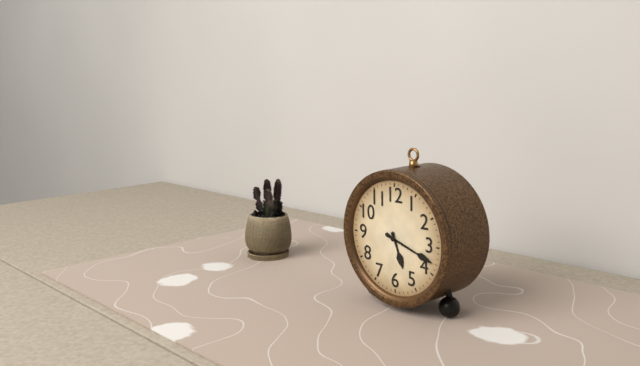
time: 5:18
